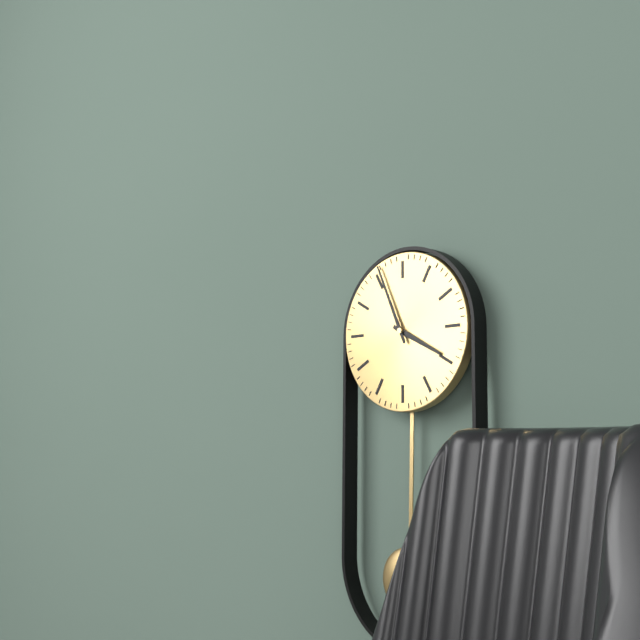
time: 3:56
